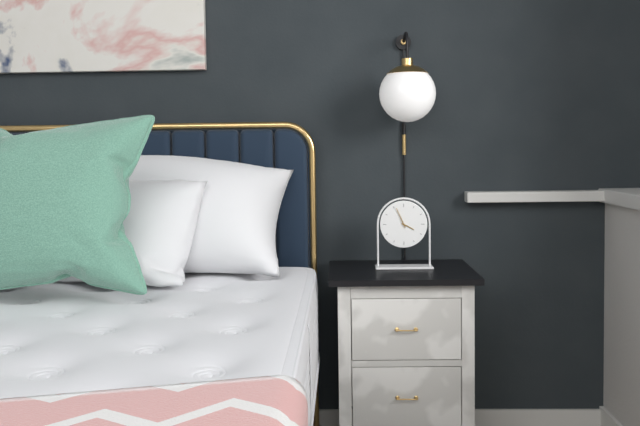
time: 3:56
